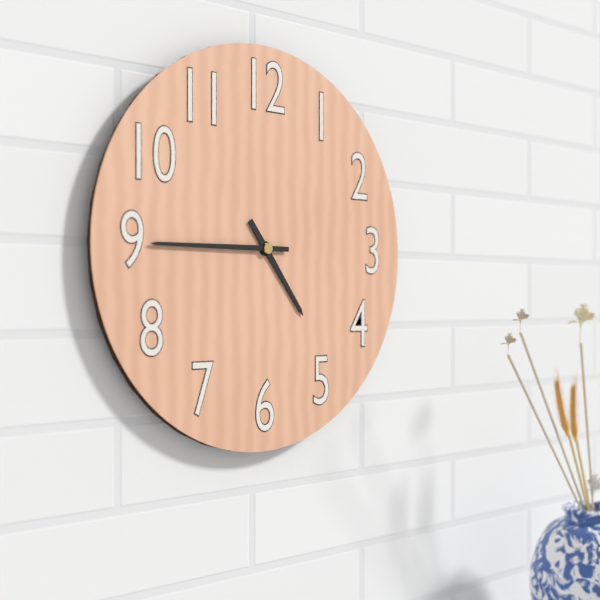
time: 4:45
